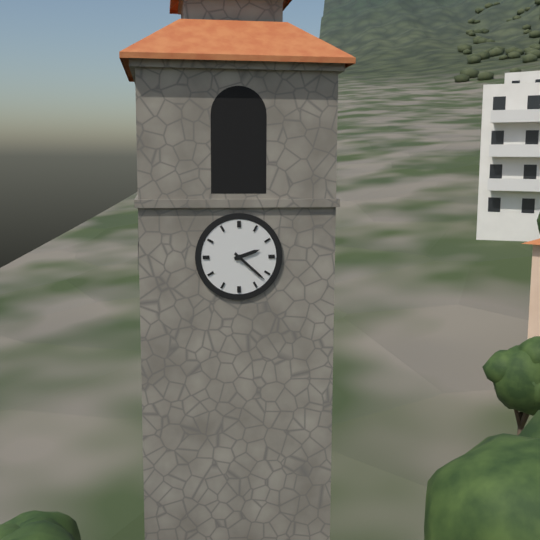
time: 2:22
